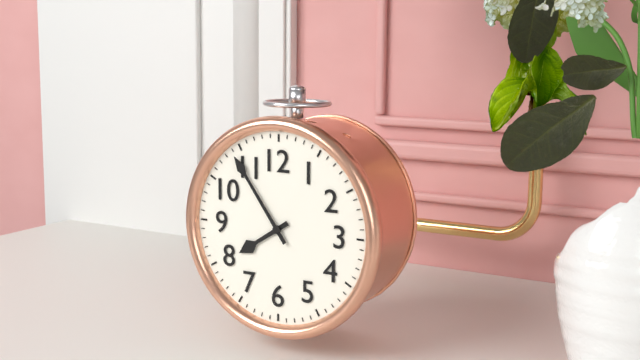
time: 7:54
